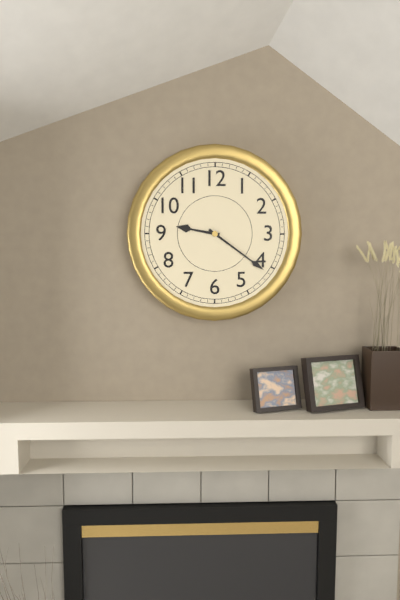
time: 9:21
